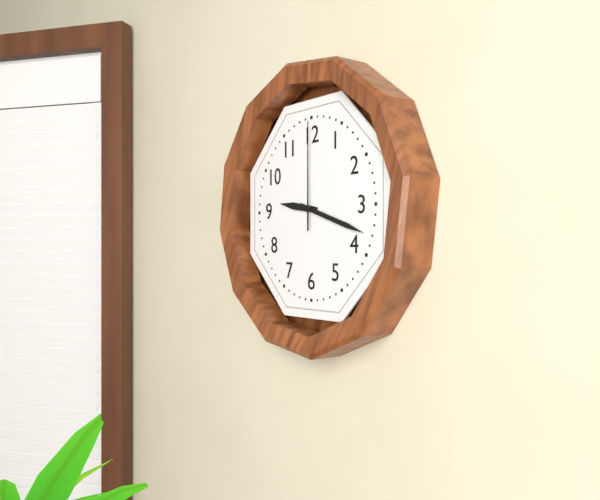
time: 9:18:00
